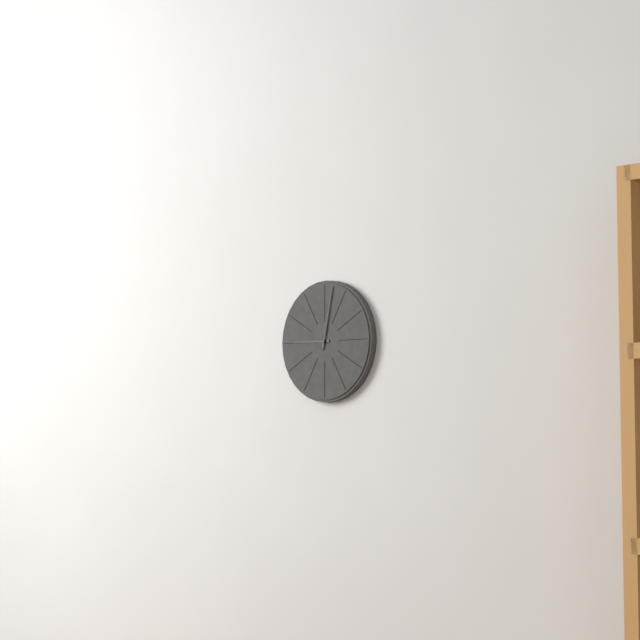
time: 9:02
